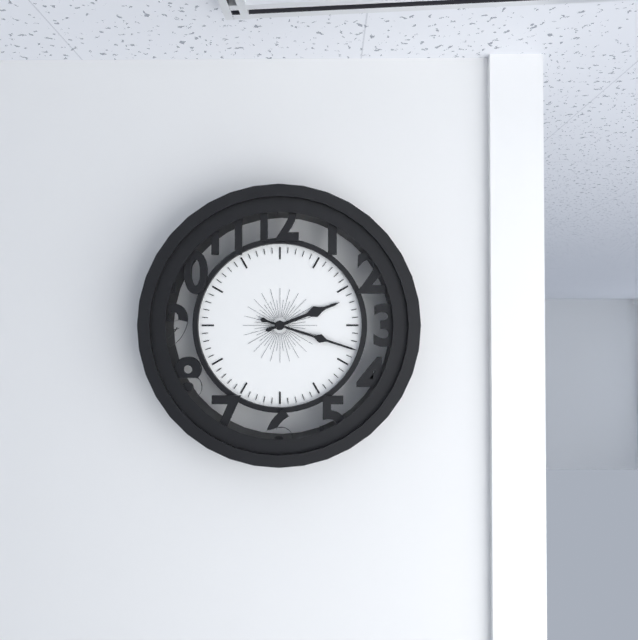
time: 2:18
